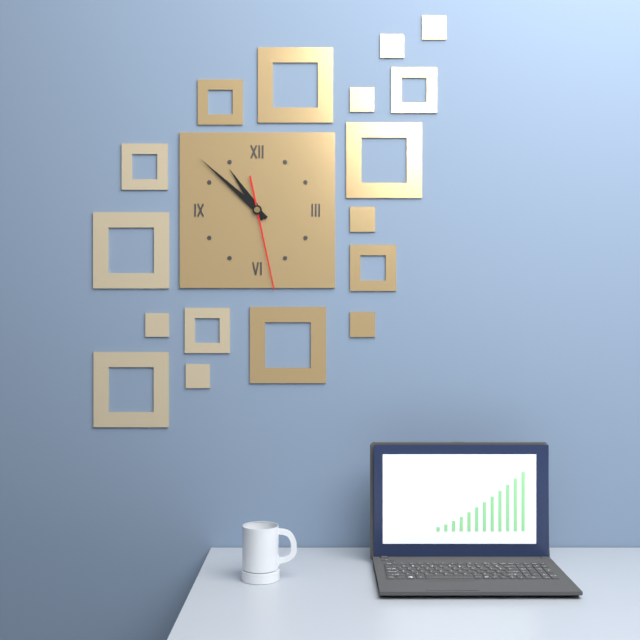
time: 10:52:28
